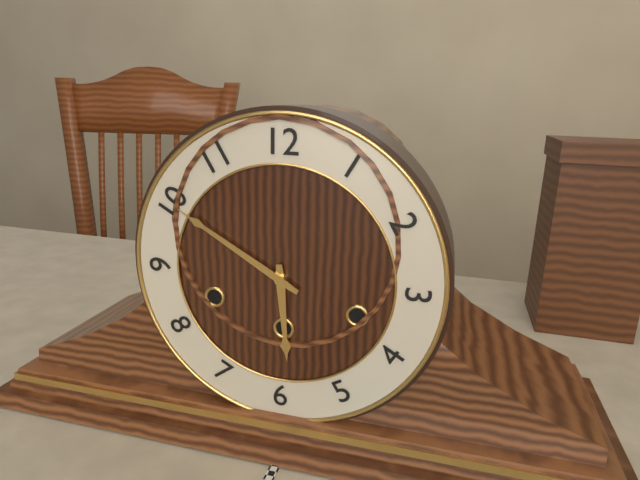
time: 5:50
